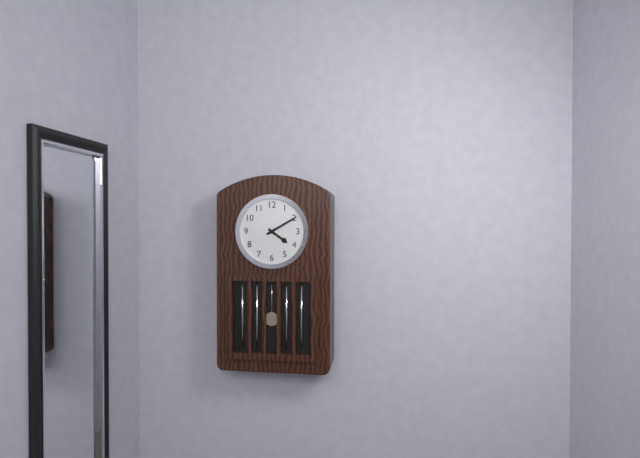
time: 4:10
